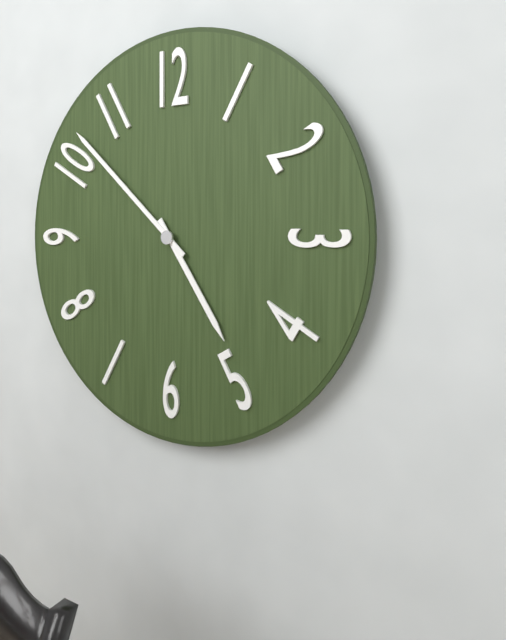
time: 4:52
